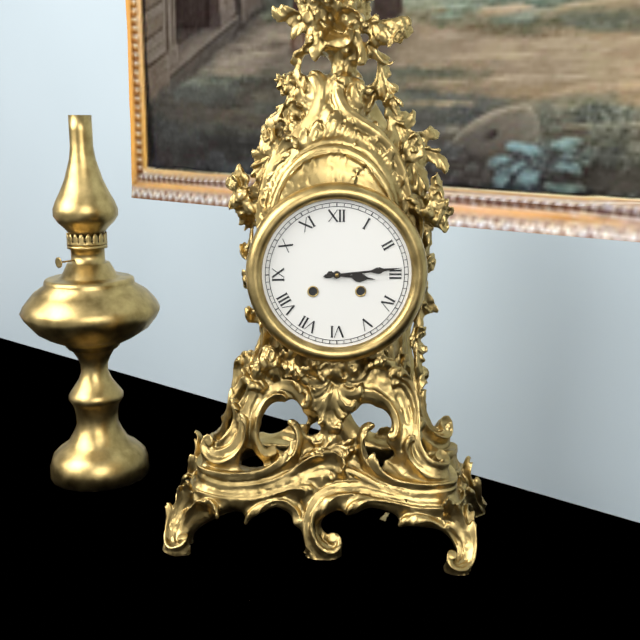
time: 3:14
